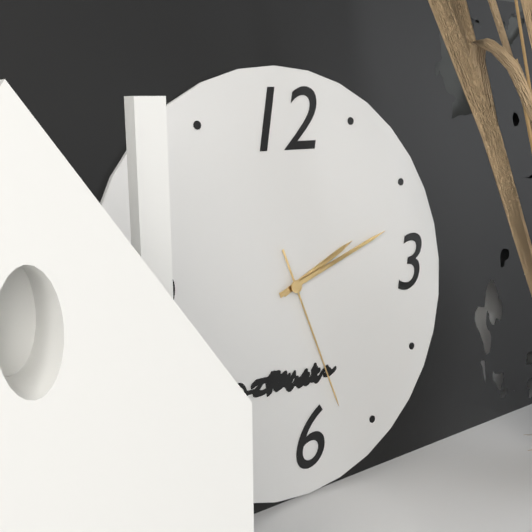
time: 2:12:27
